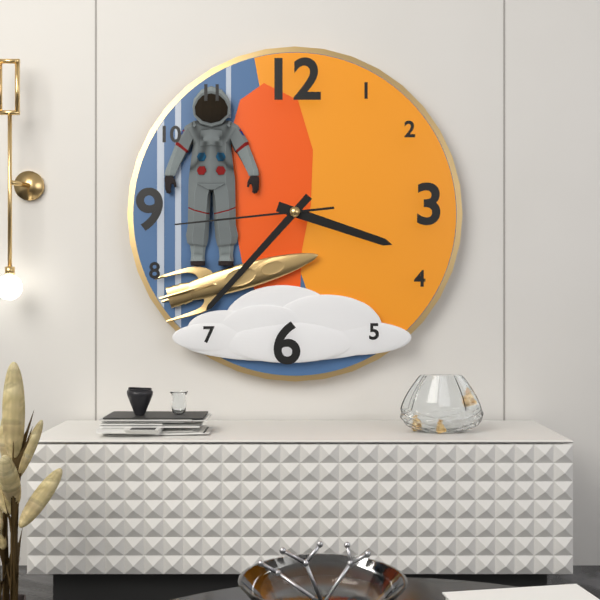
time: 3:37:44
